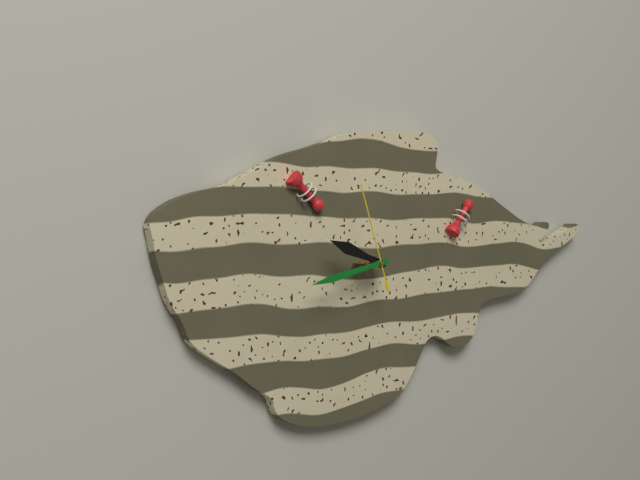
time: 9:43:57
